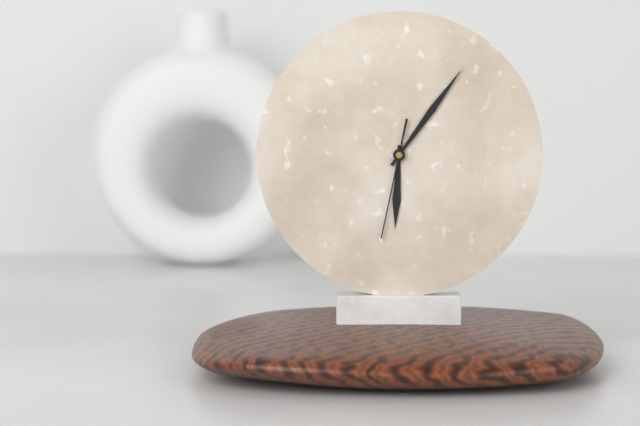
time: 6:06:32
